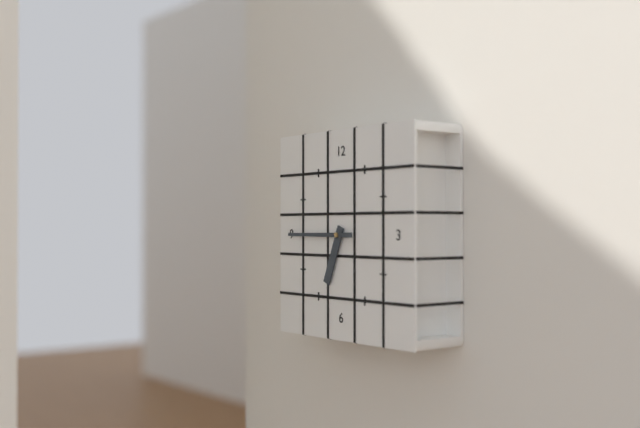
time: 6:45
